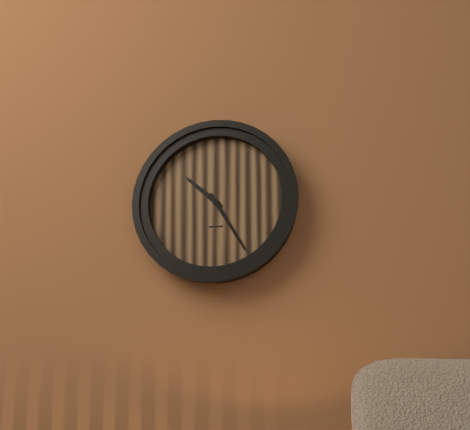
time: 10:25
